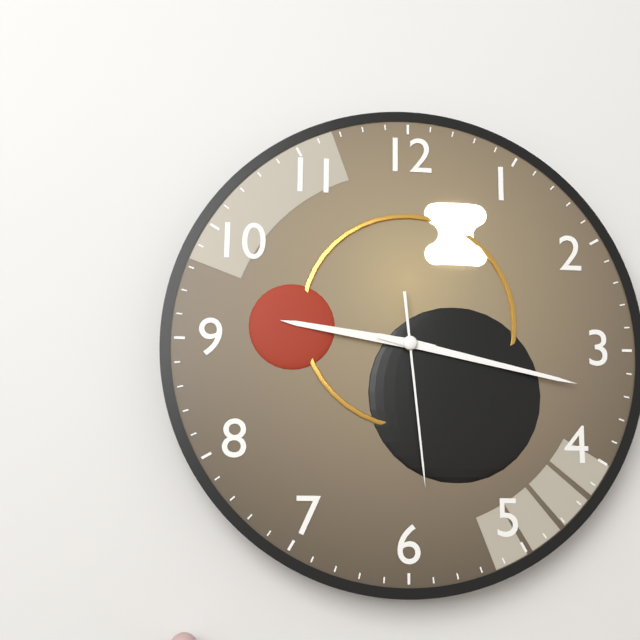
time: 9:17:29
